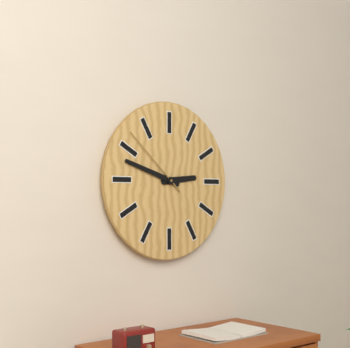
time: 2:48:52
